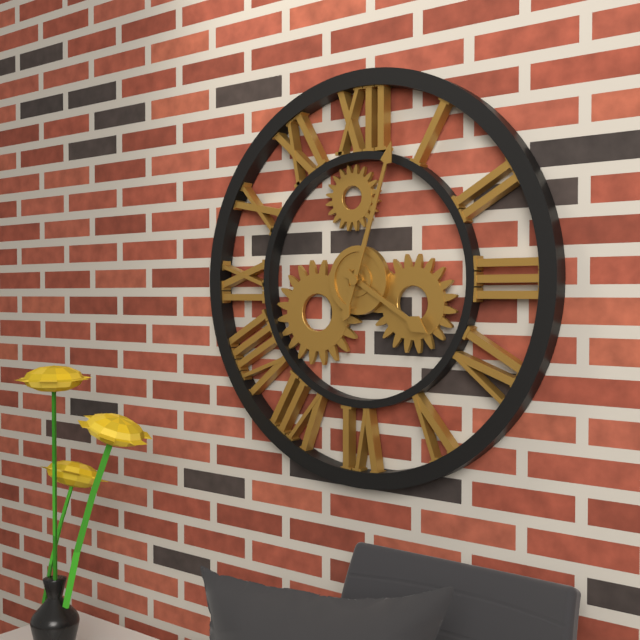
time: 4:03
